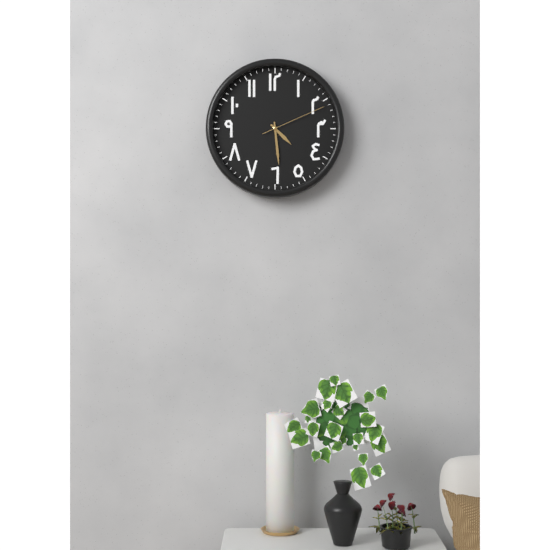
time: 4:29:11
